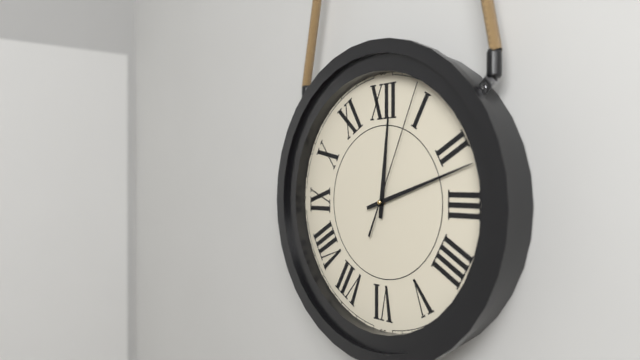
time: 12:12:04
